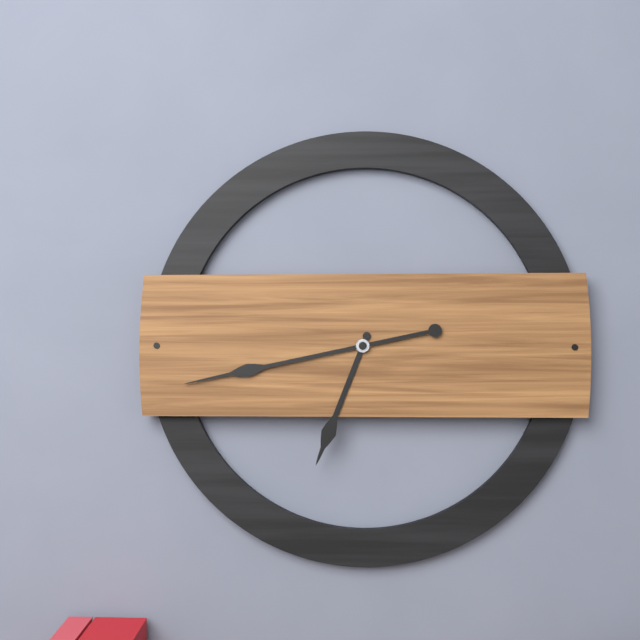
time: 6:43
